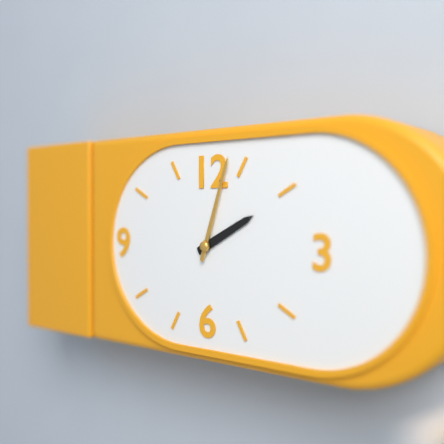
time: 2:03
